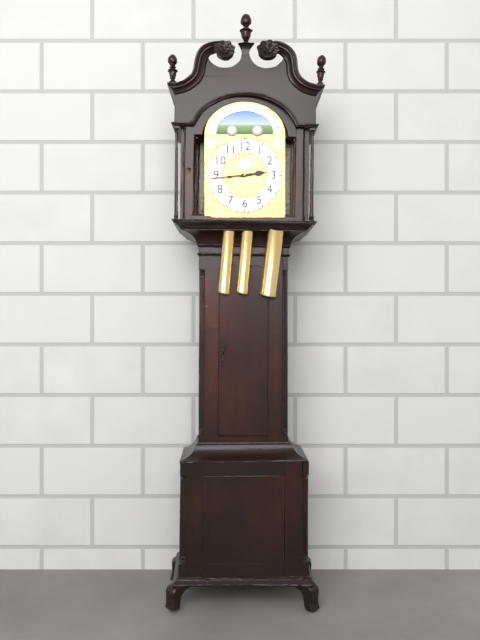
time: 2:44
